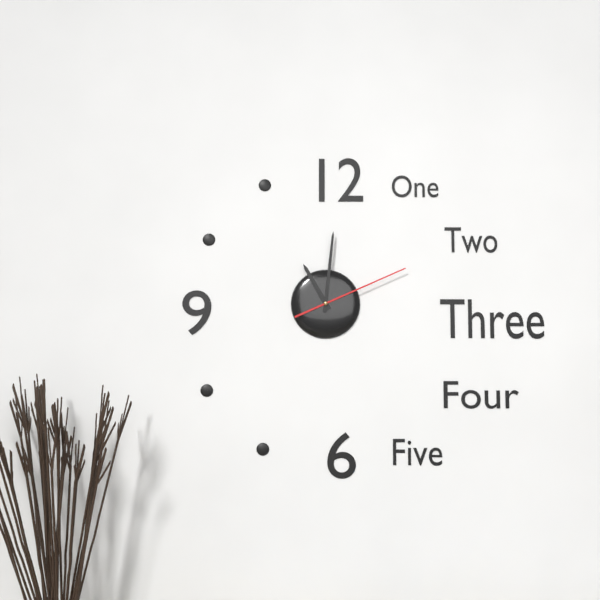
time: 11:01:11
